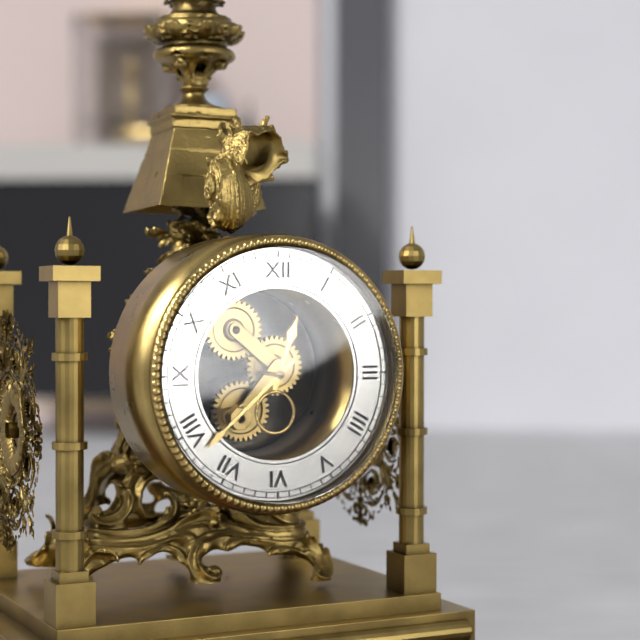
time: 12:38
